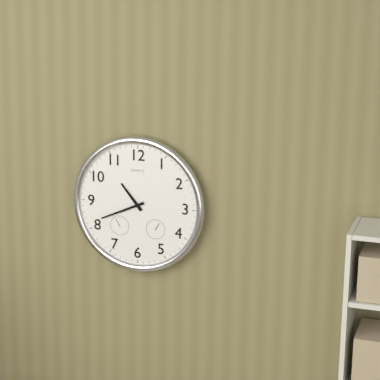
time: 10:41
